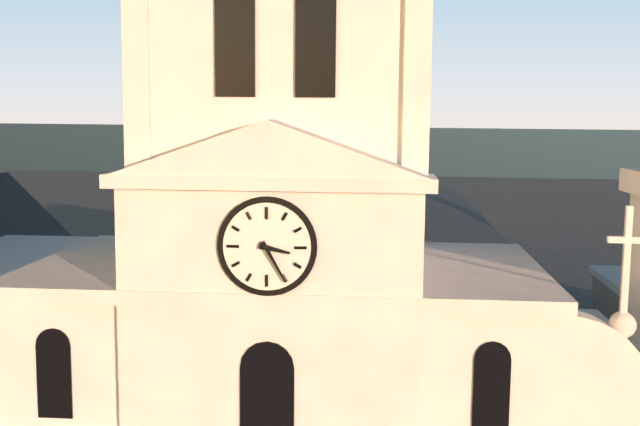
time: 3:25
